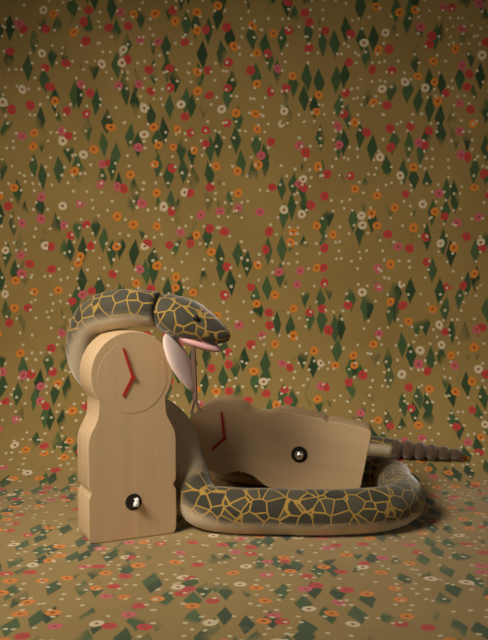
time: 6:57
